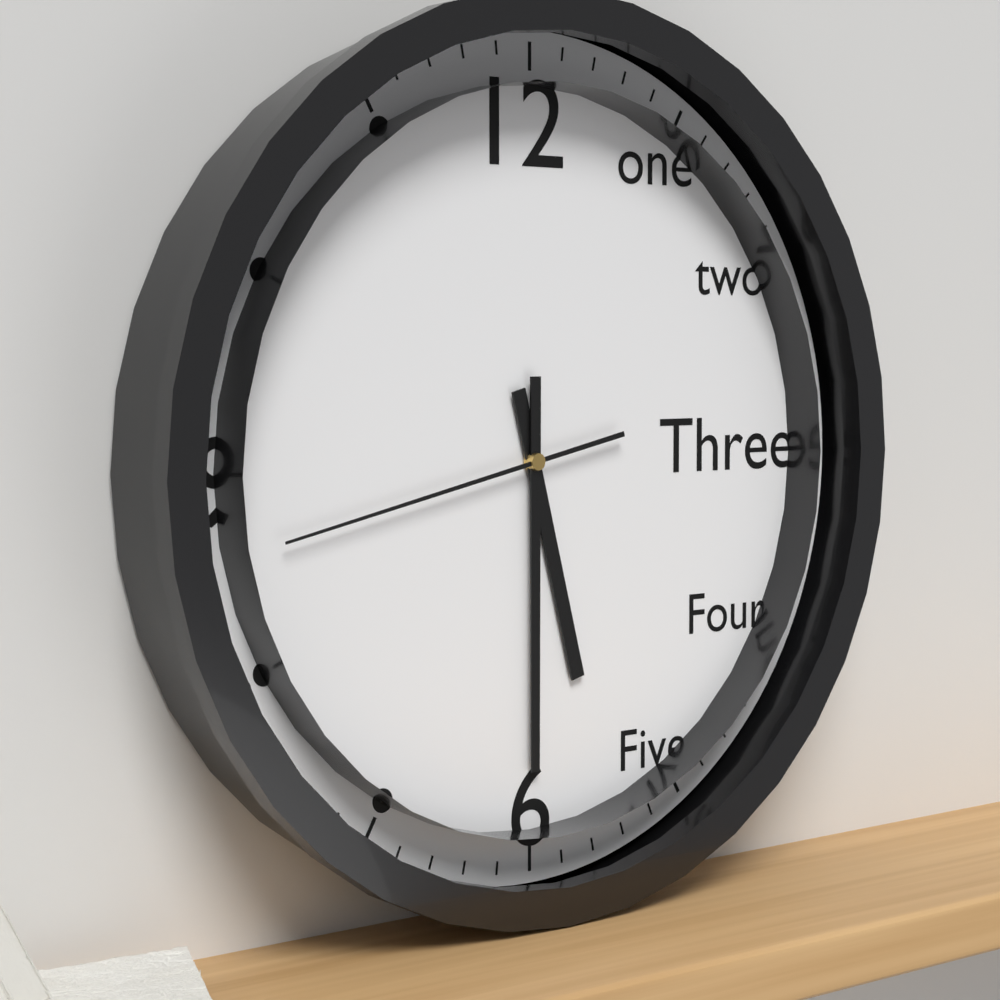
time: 5:30:43
